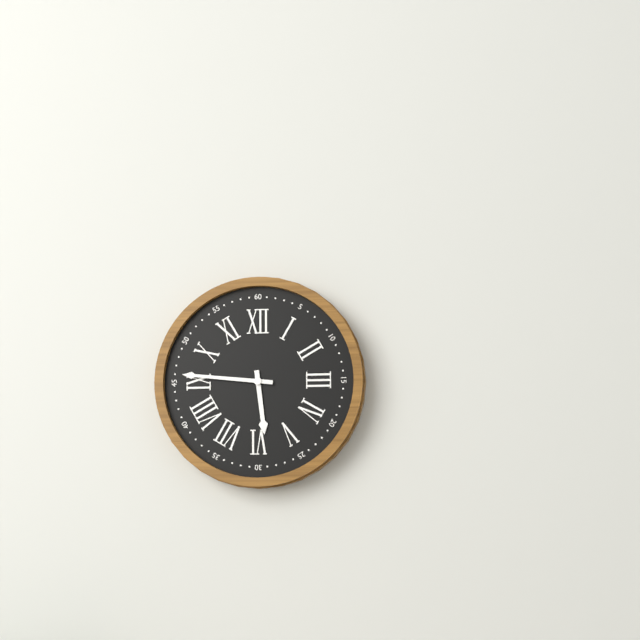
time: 5:46
